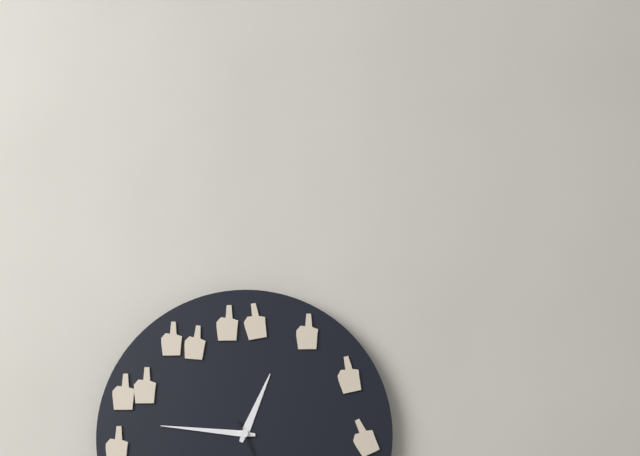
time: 12:46
